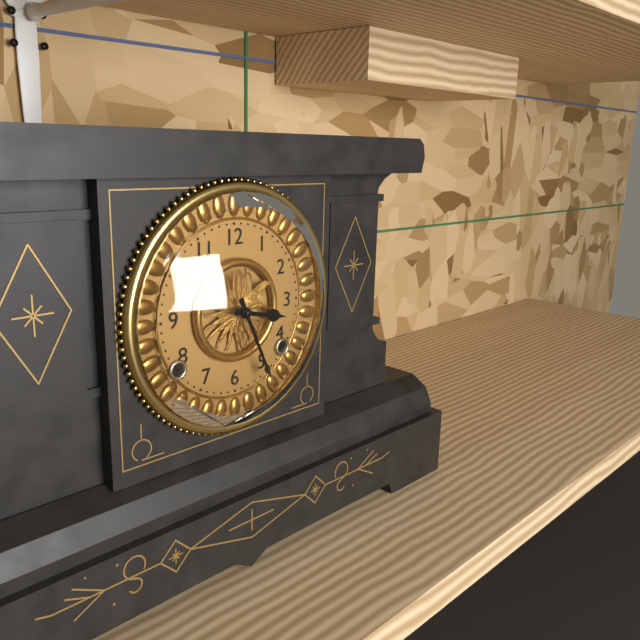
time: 3:26
